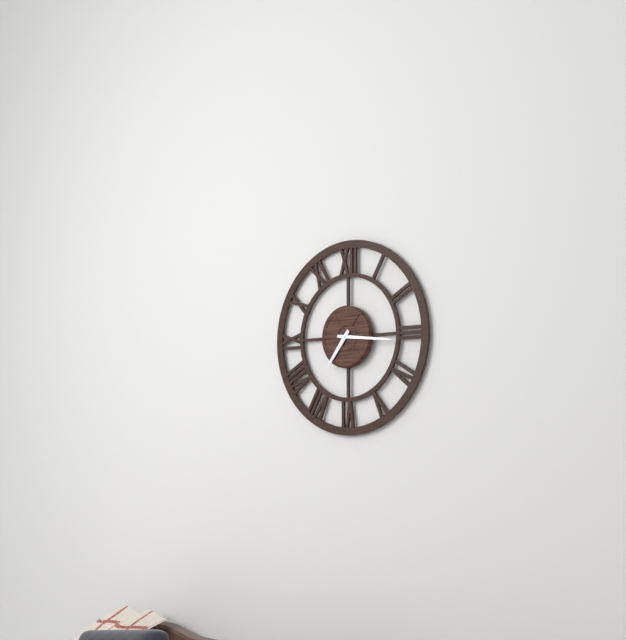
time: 7:16
